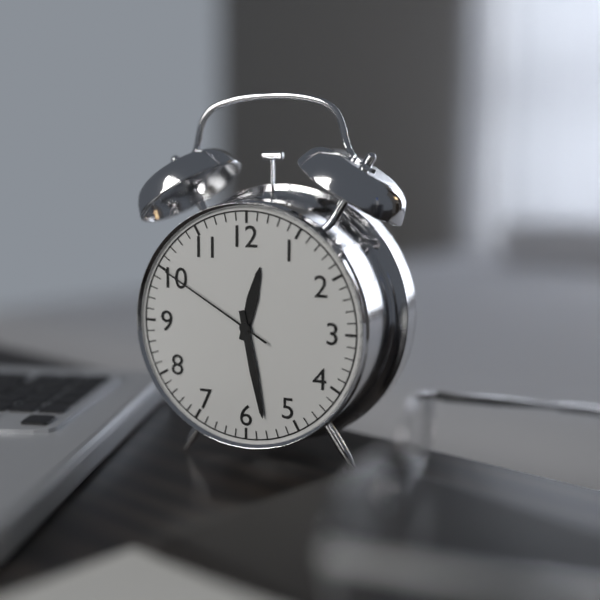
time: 12:28:50
